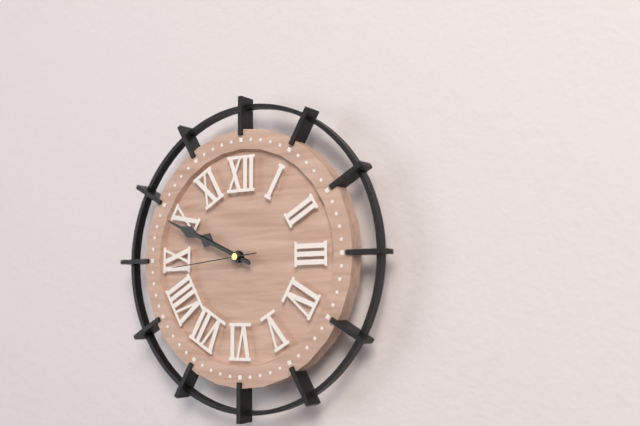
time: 9:49:44
